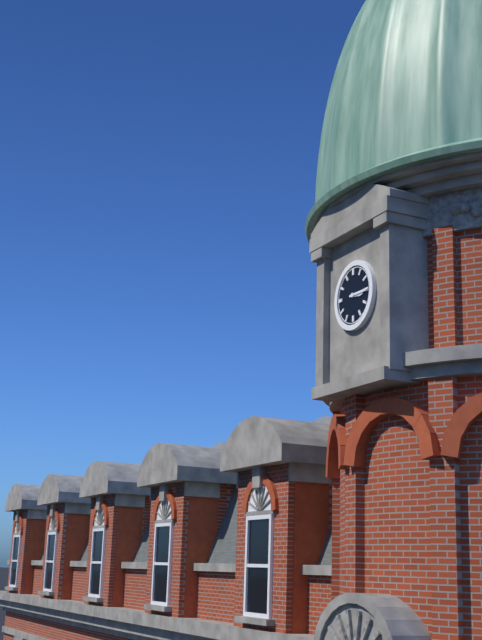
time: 3:15
